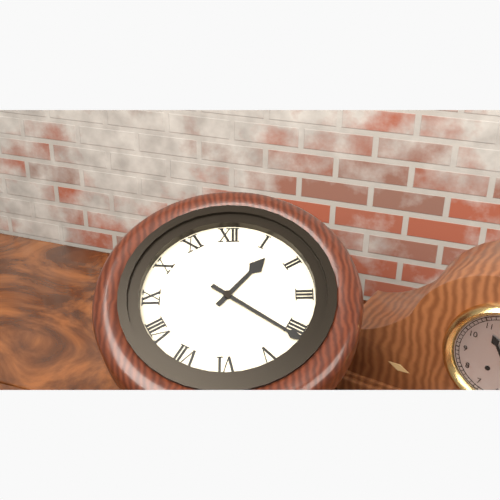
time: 1:21
